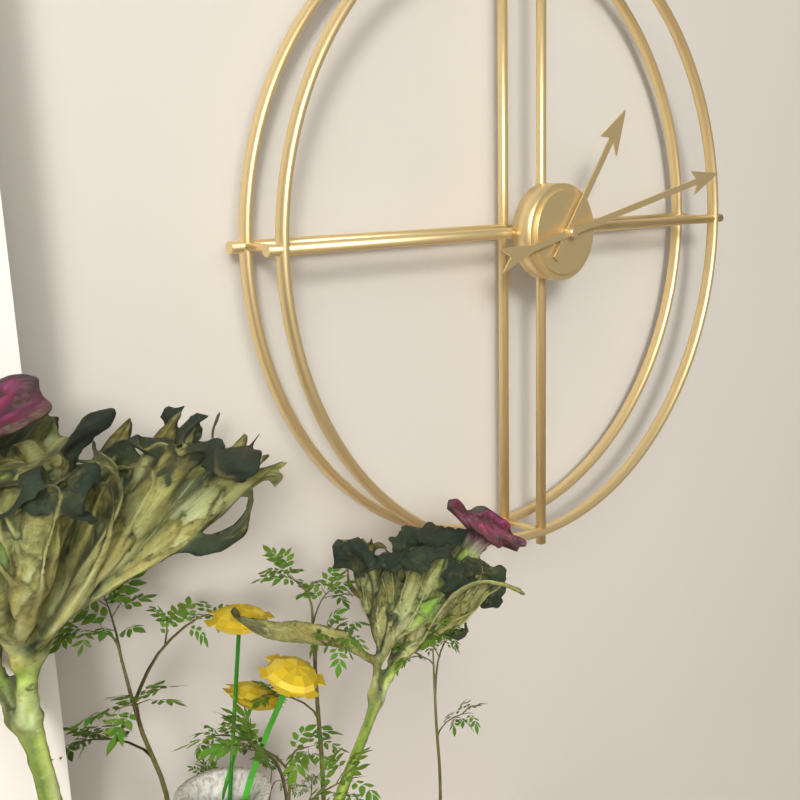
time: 1:13
